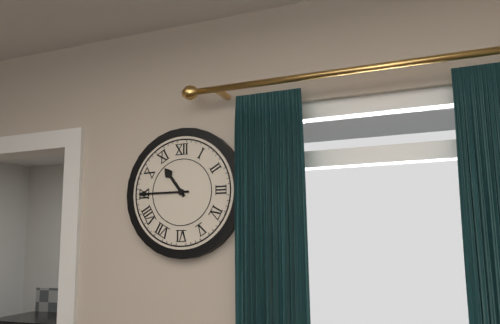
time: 10:45
